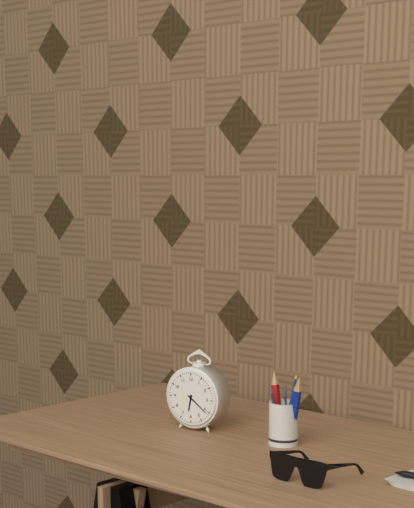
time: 6:21
